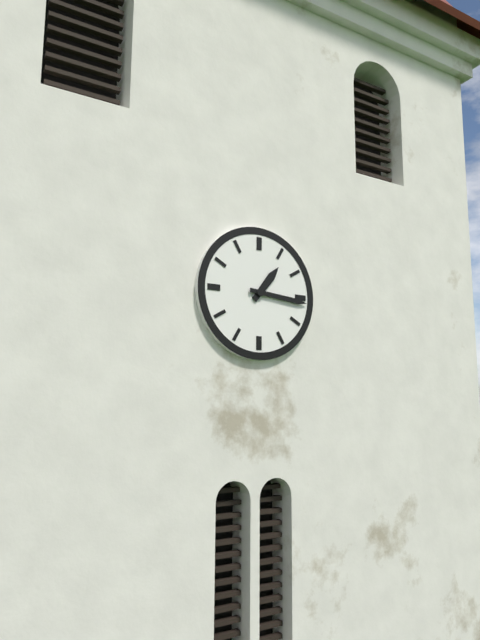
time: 1:16
